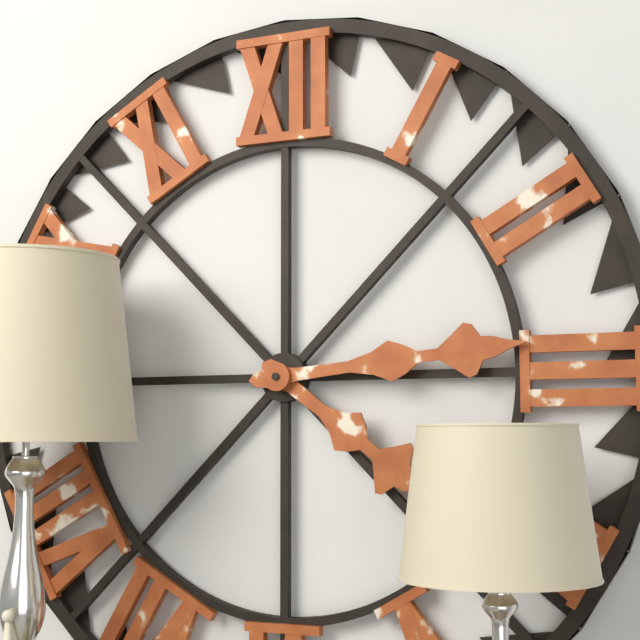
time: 4:14
